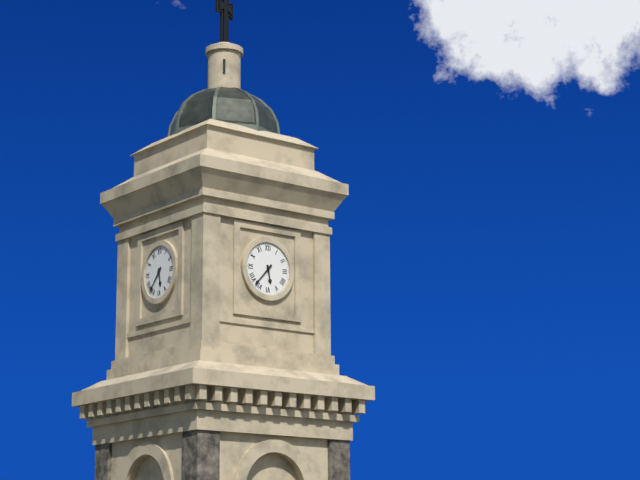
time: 5:37
